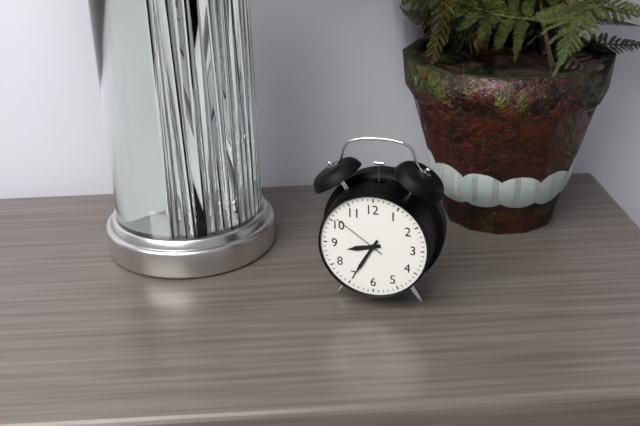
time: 8:35:51
